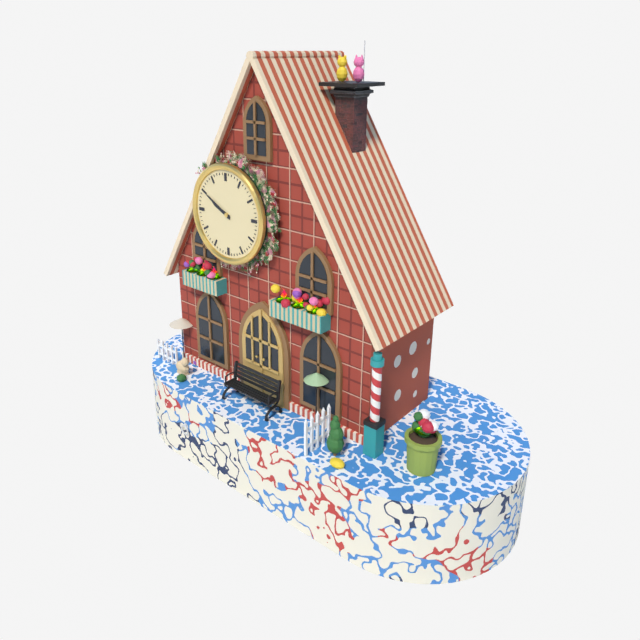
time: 9:50
